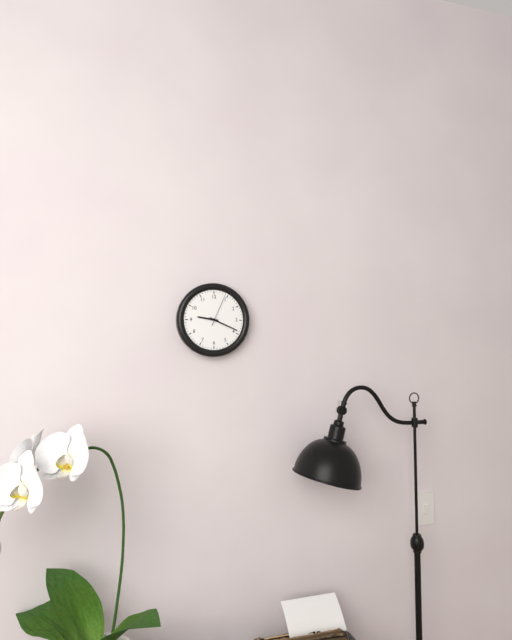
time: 9:19
